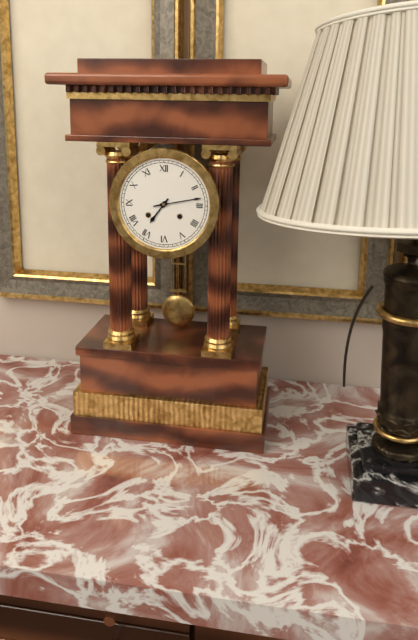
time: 7:13
